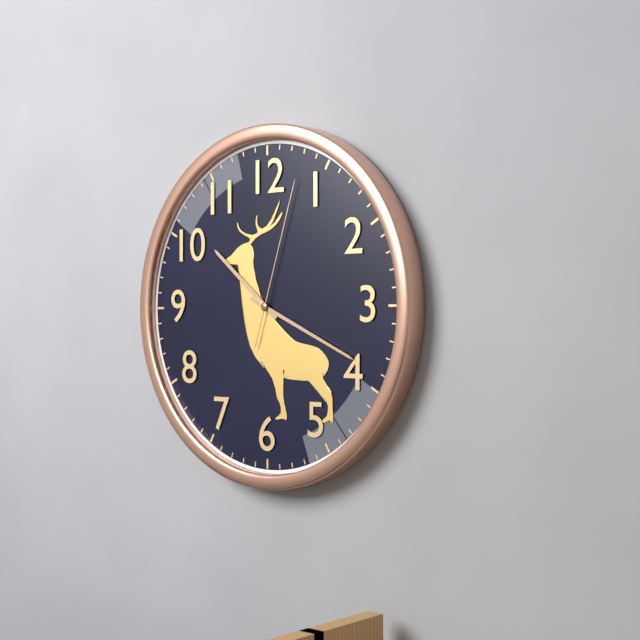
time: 10:19:03
